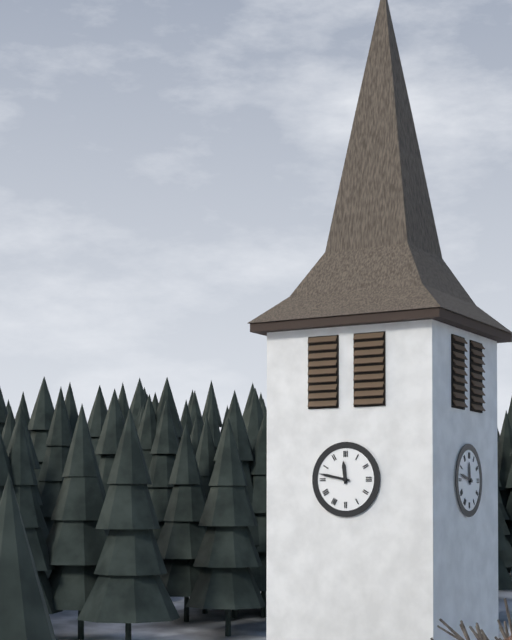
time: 11:47
